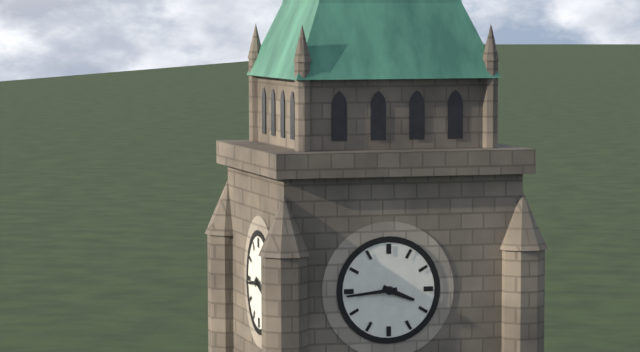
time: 3:44
